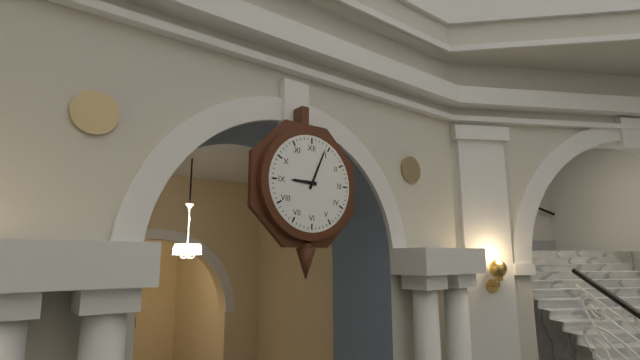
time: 9:04
